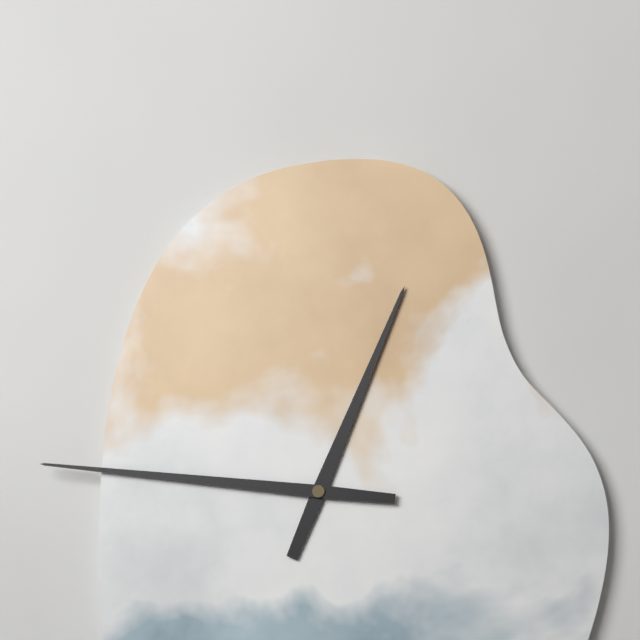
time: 12:46
